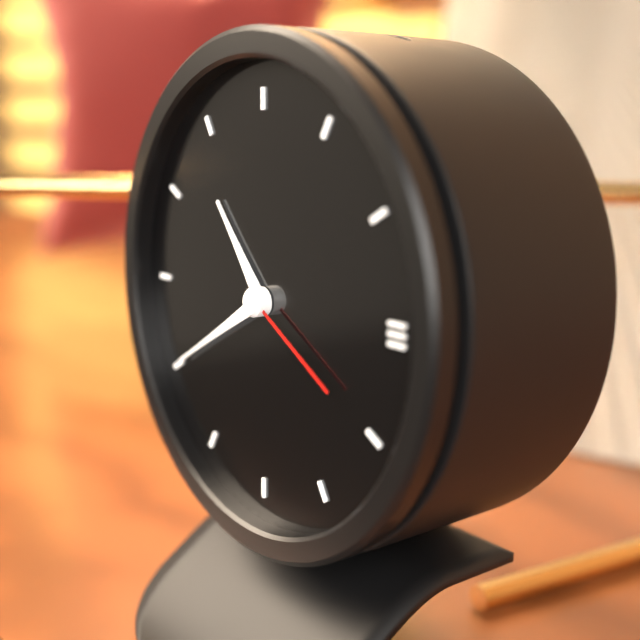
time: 10:40:20
